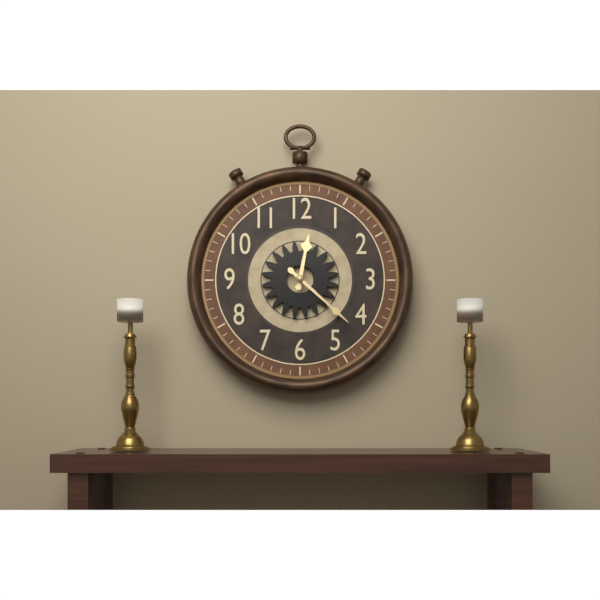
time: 12:22
